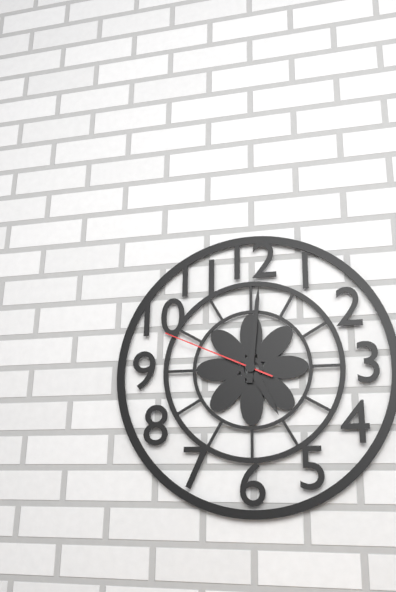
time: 5:01:49
